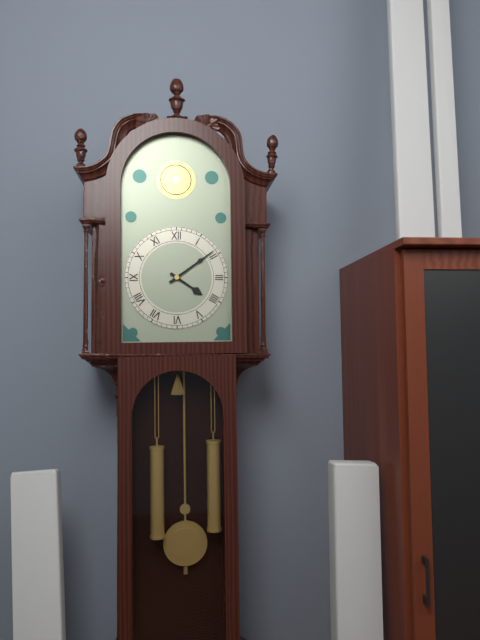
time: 4:09
